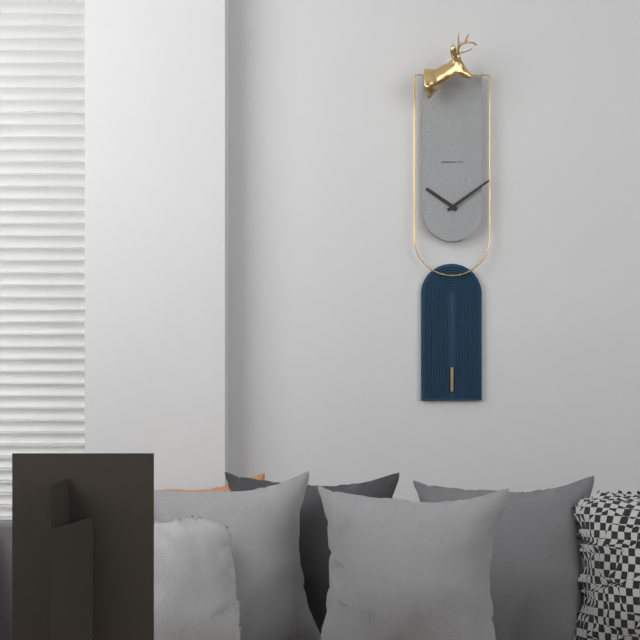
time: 10:09
